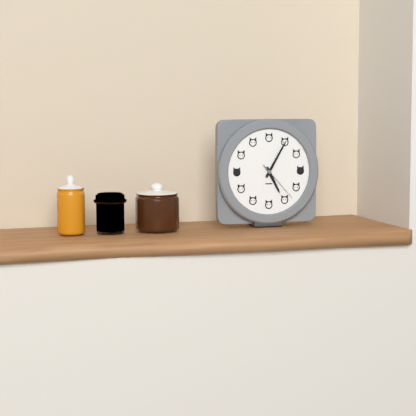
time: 5:05
